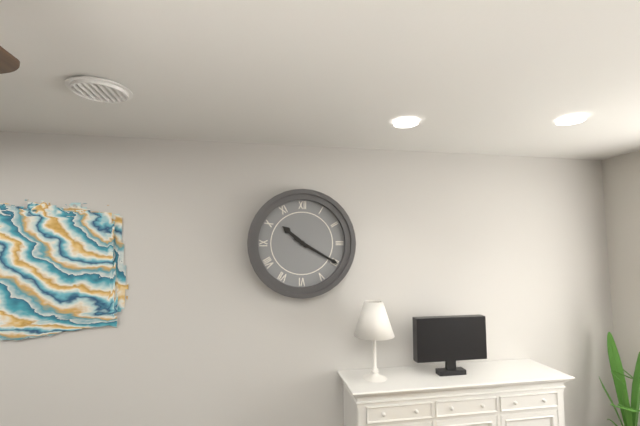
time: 10:20
